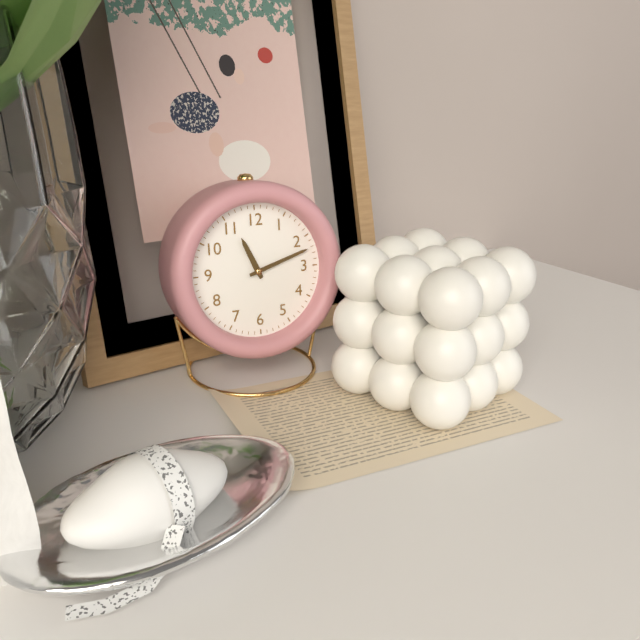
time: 11:12
